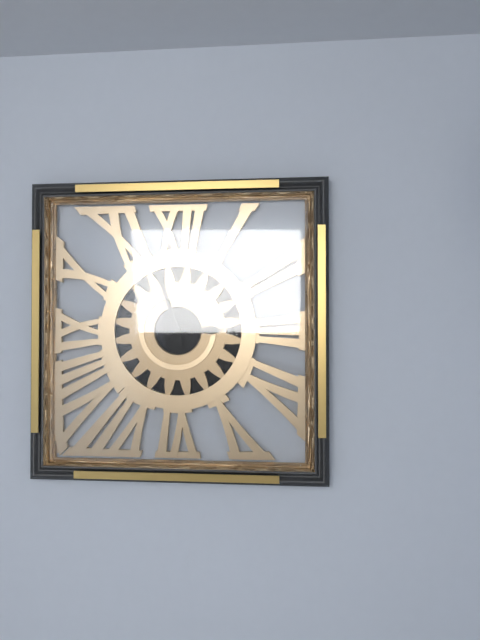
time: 2:57
